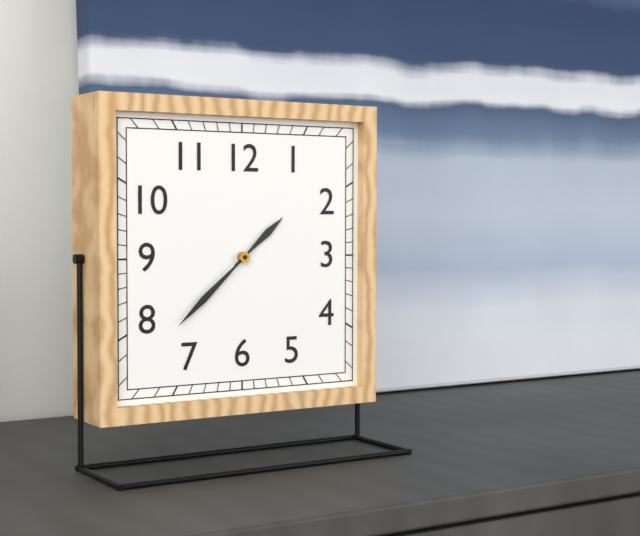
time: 1:38
